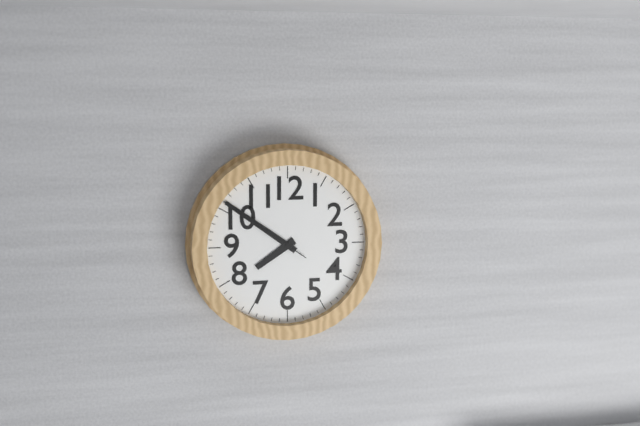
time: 7:51:51
